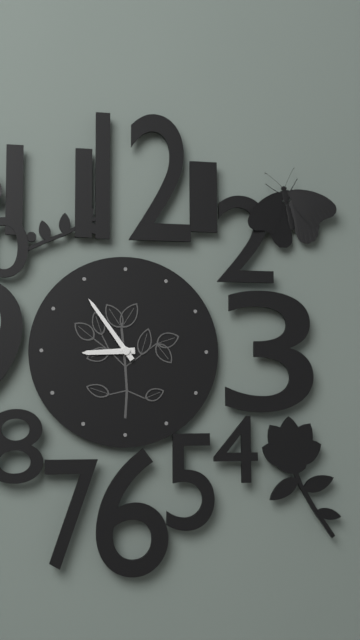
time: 8:54
